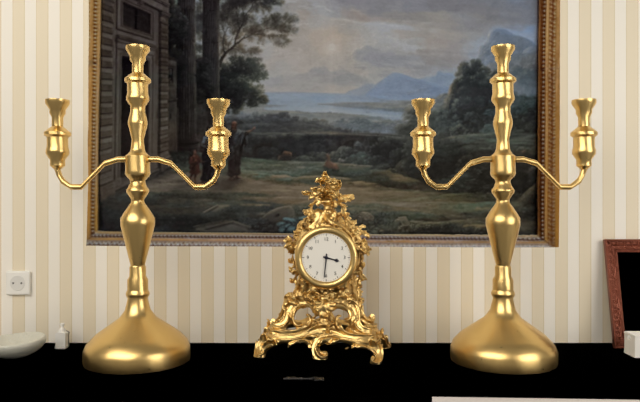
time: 3:31
